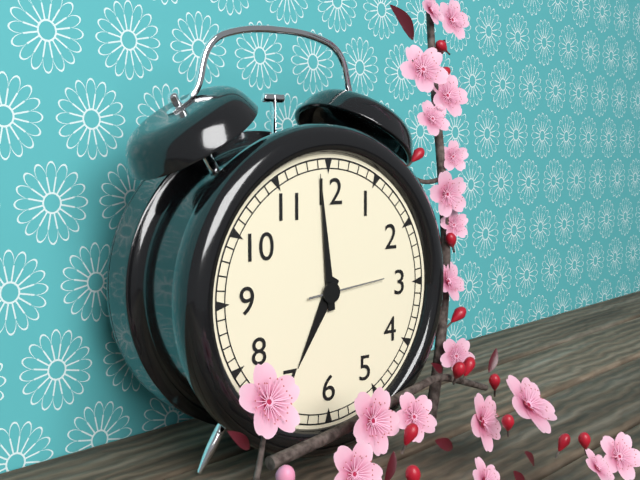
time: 6:59:14
